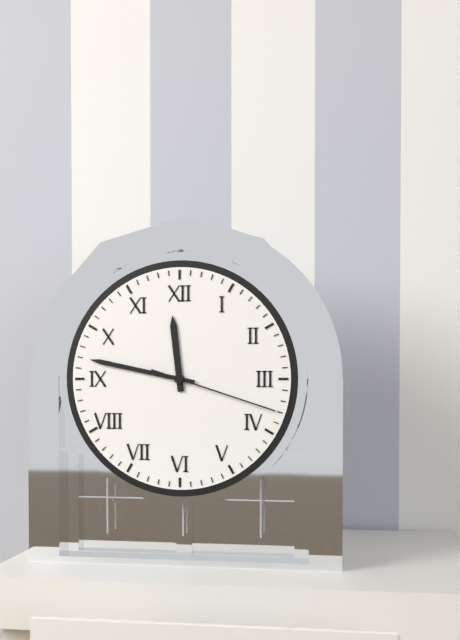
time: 11:47:18
